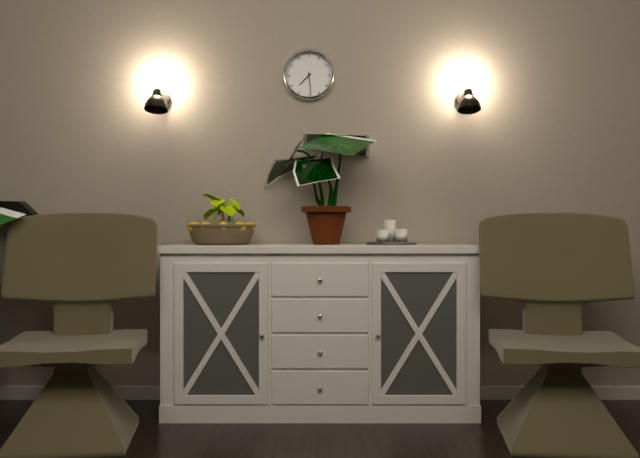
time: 7:29
